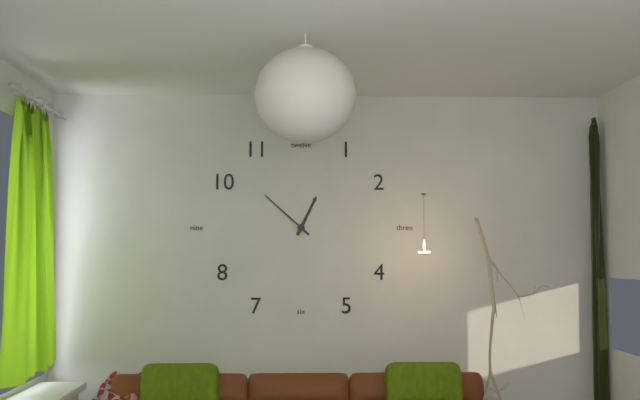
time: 12:52
